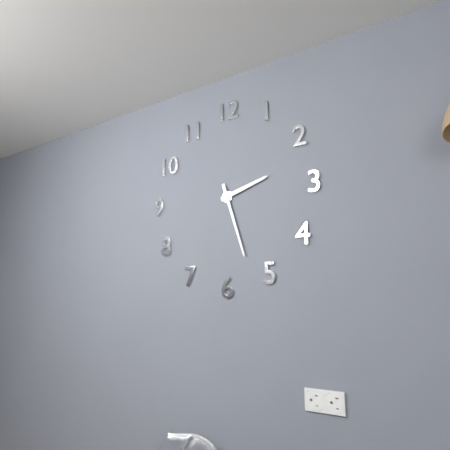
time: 2:27
